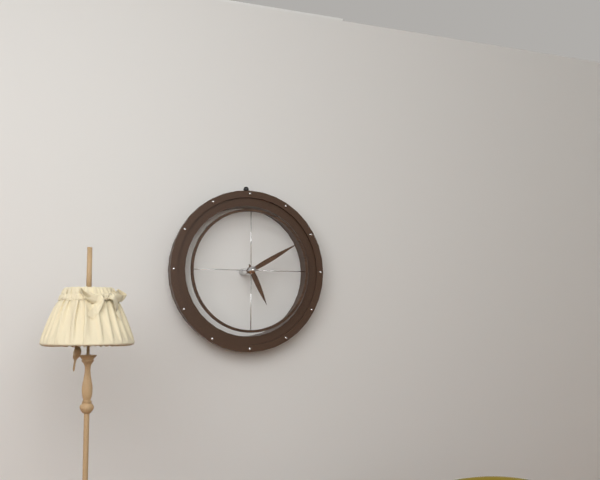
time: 5:10
